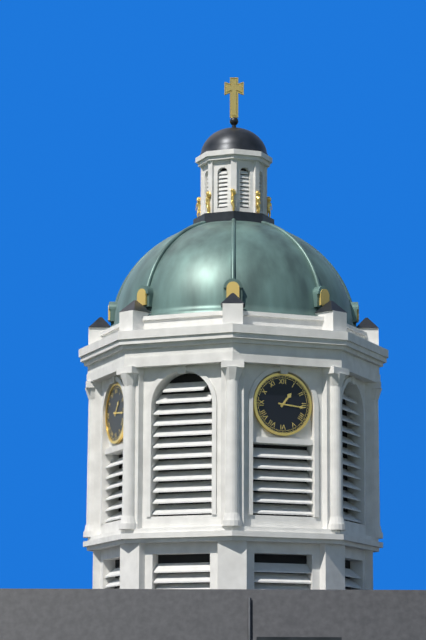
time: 1:16
